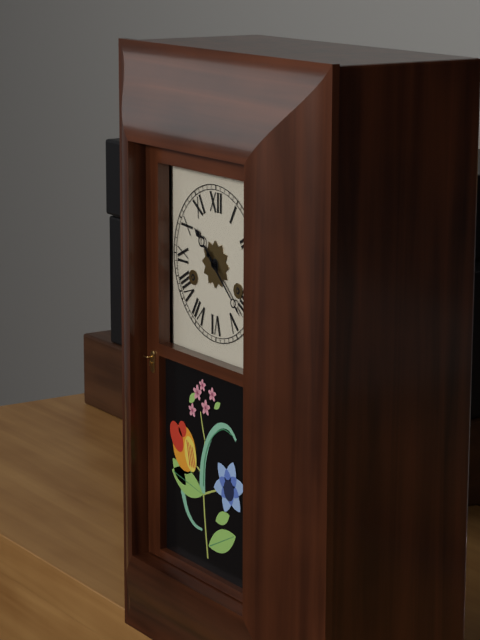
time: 10:22
